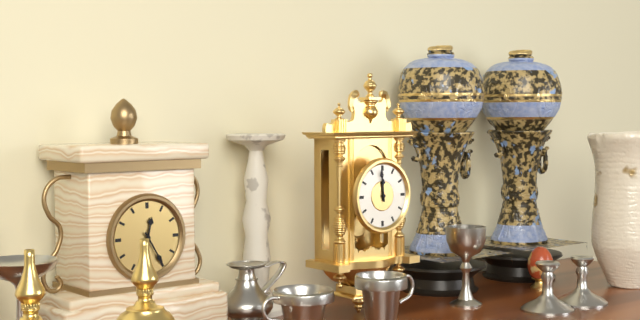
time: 11:59
